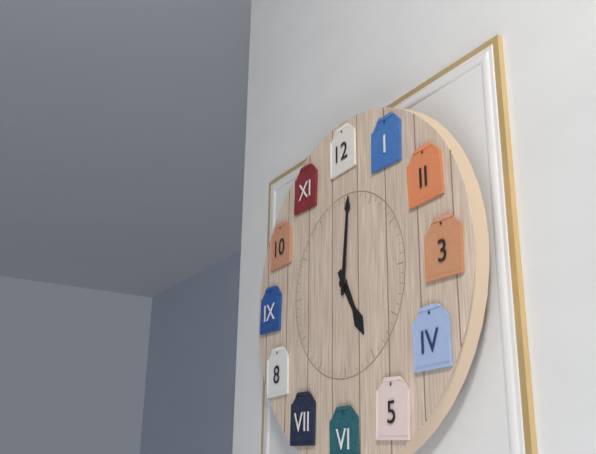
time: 5:01
